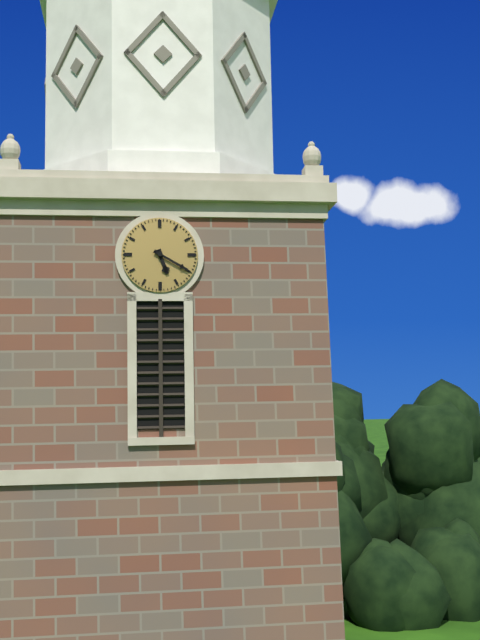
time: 5:20
